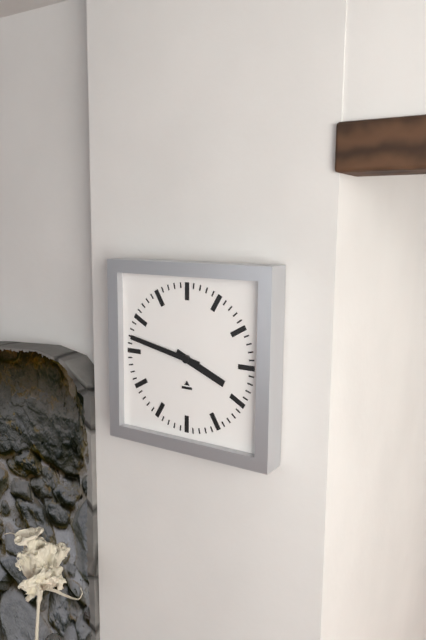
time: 3:47
